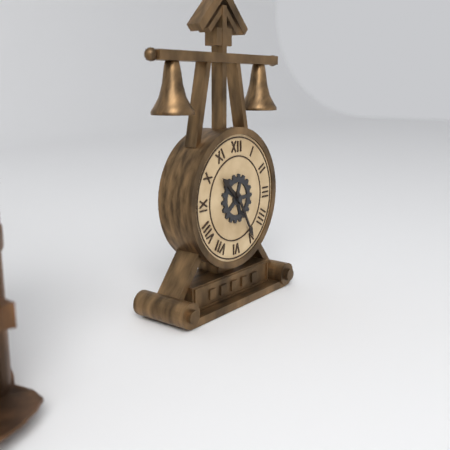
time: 10:25
